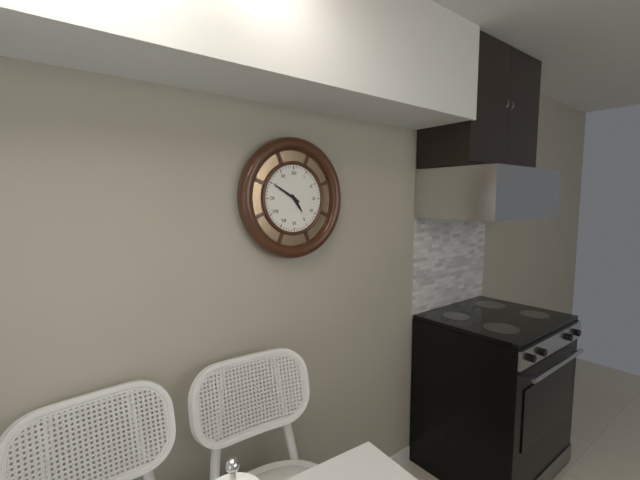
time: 4:50
